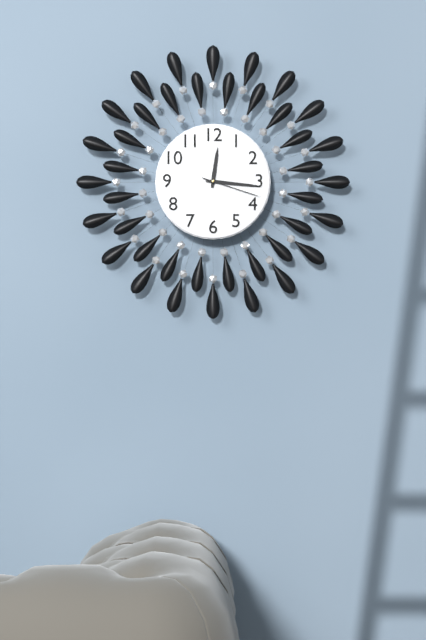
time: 12:16:18
